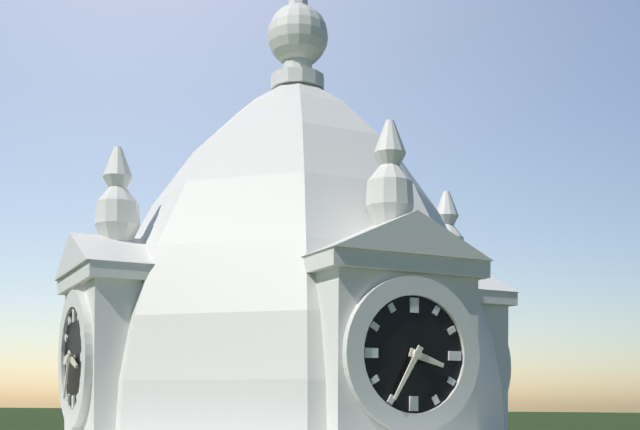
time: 3:35
